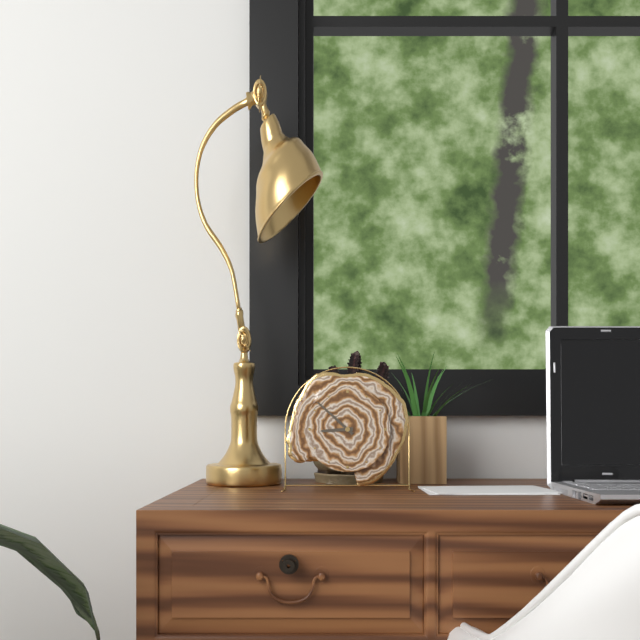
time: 8:52
